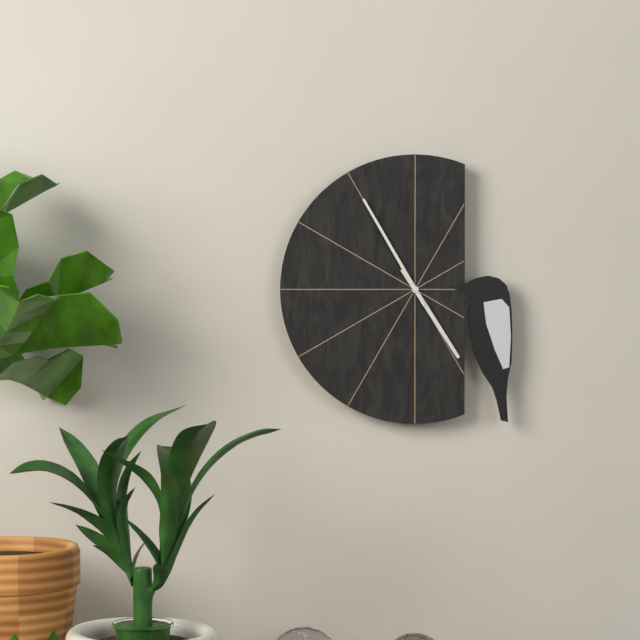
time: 4:55
